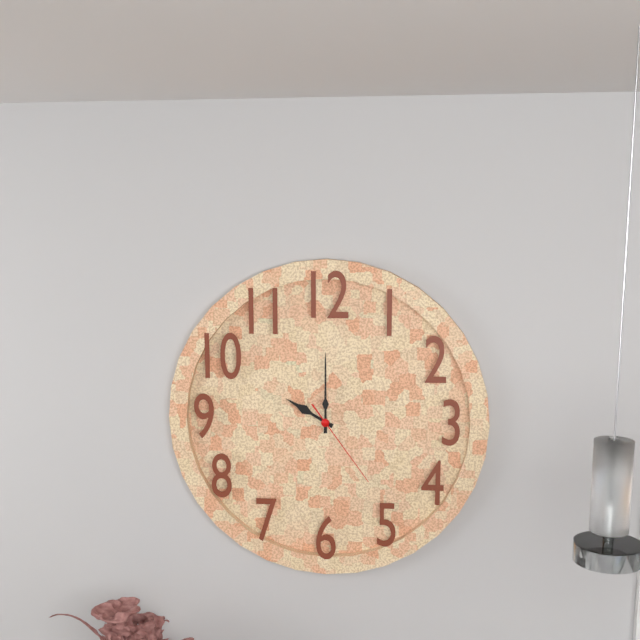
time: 10:00:24
